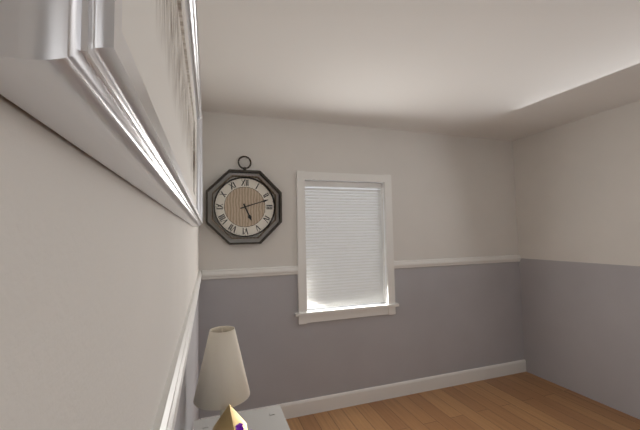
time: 5:12
